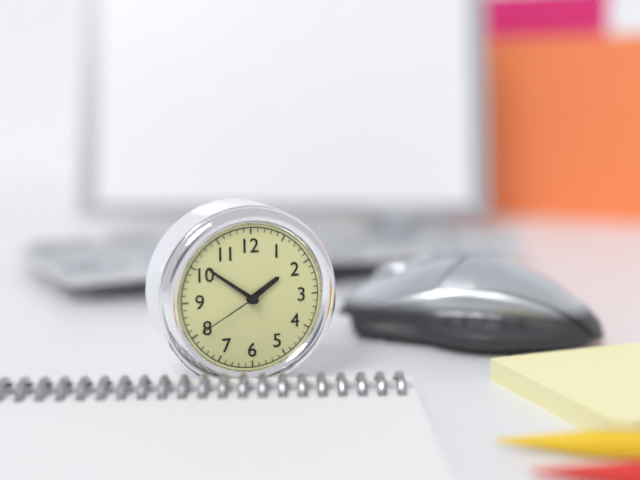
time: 1:51:40
